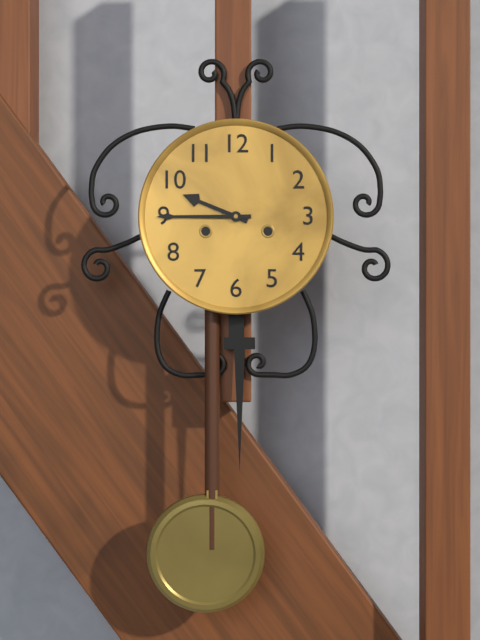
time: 9:45
